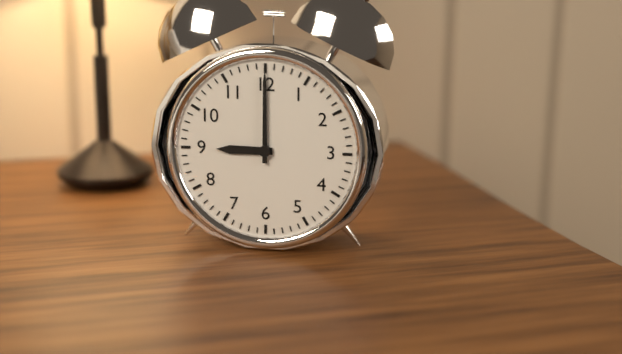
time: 9:00
